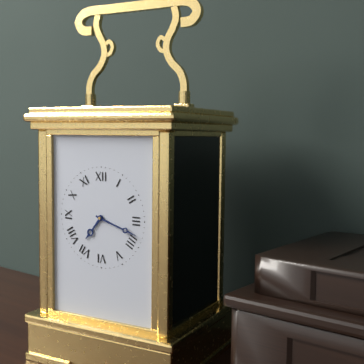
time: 7:18
